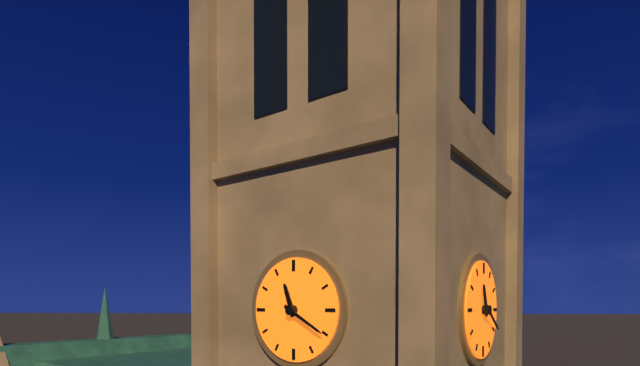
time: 11:20
